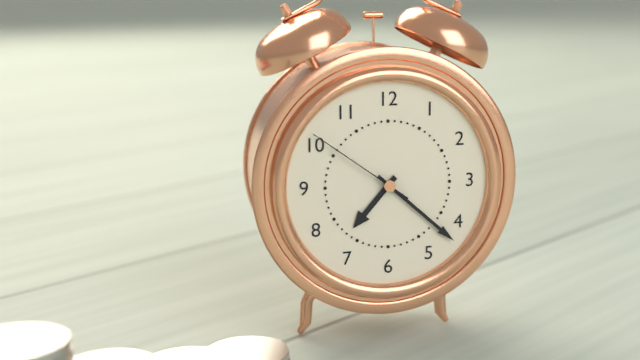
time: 7:22:51
